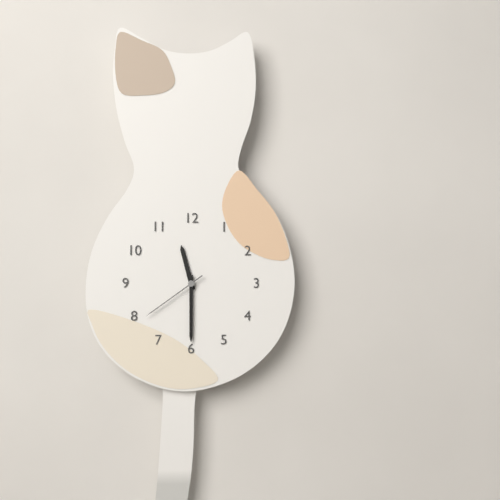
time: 11:30:39
